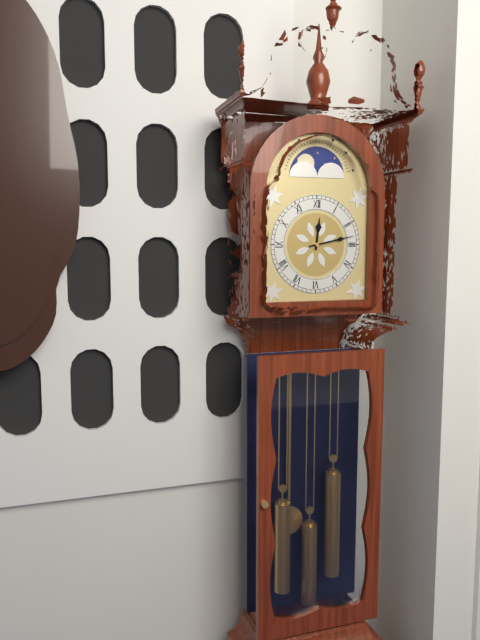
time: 12:13
